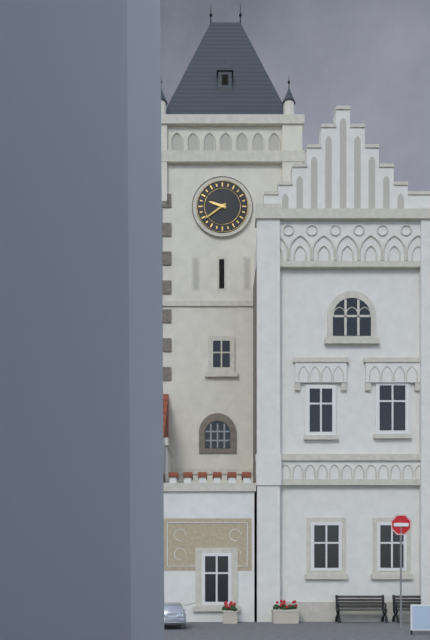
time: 9:39
